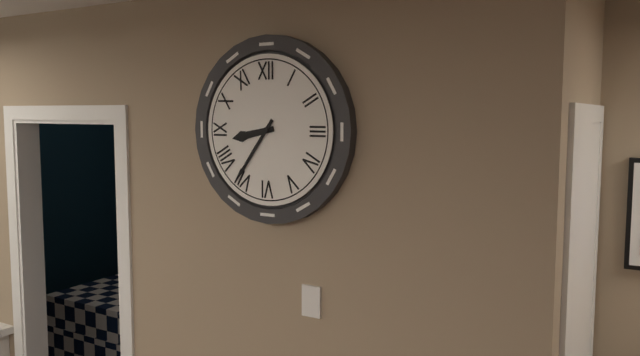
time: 8:36
